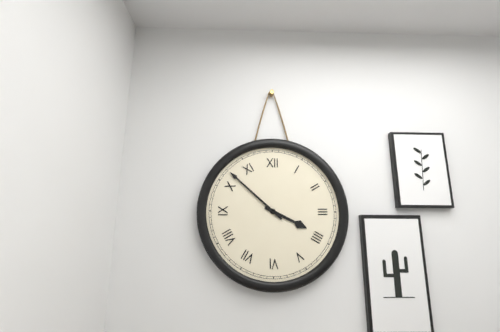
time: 3:52
